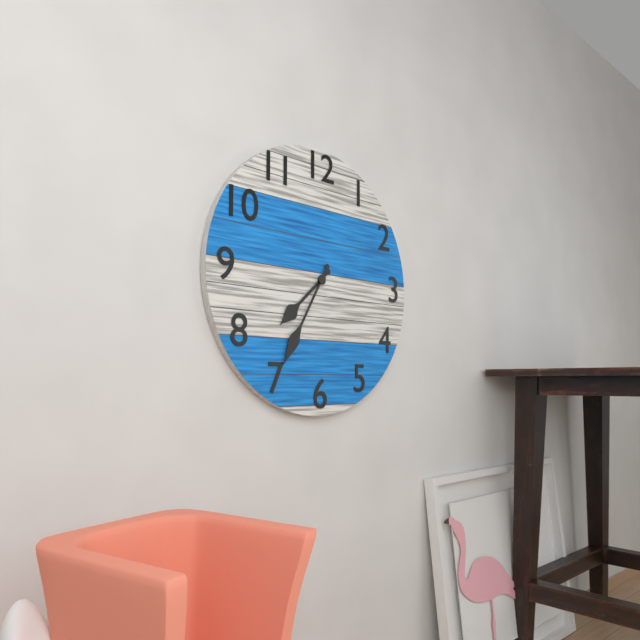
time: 7:35
